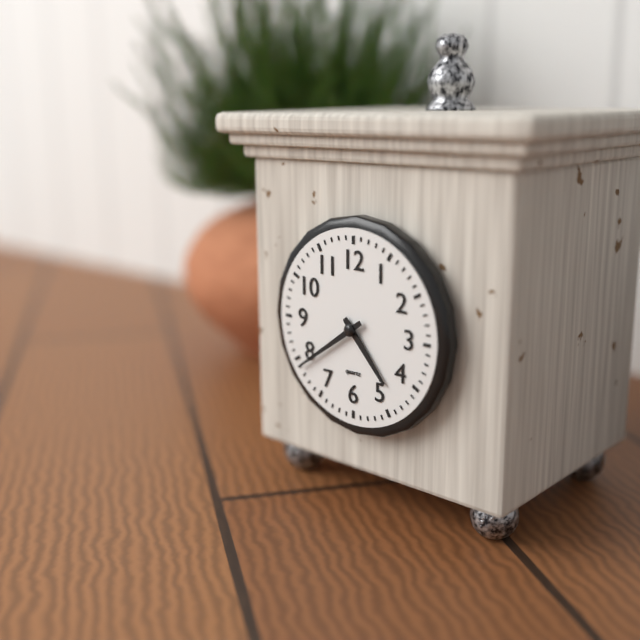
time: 4:39
